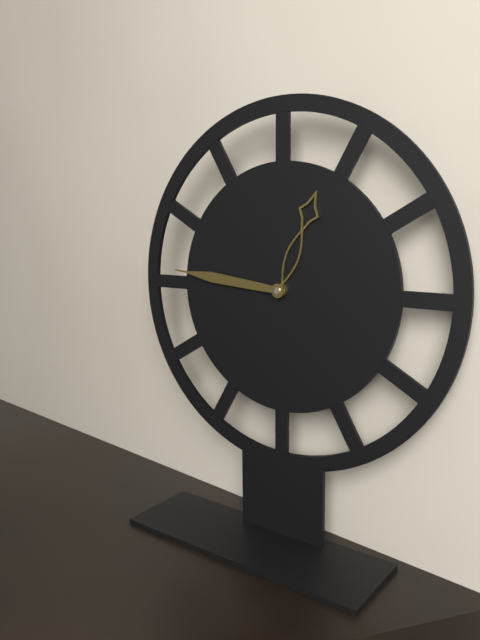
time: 12:46
